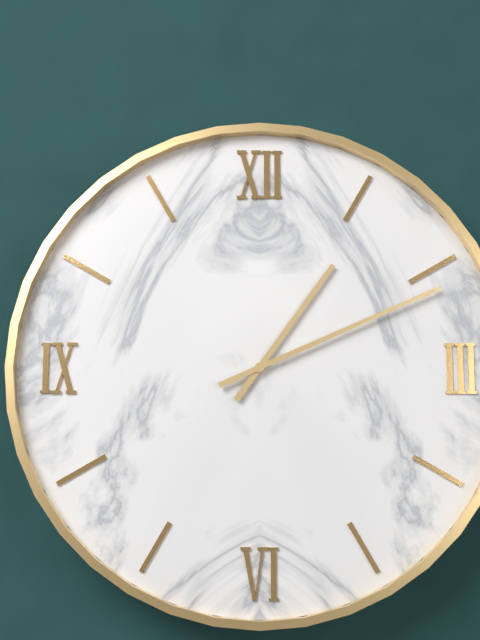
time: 1:11
